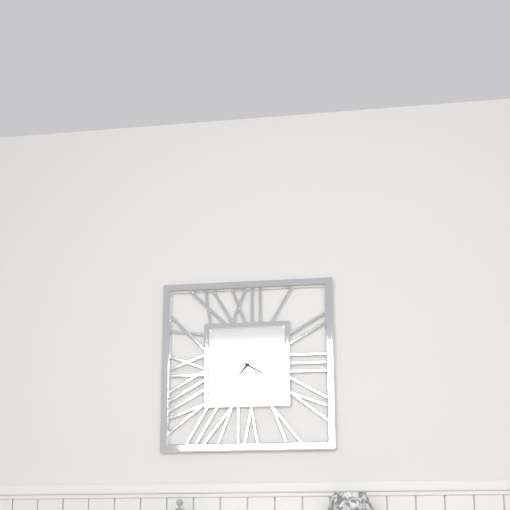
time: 7:20
